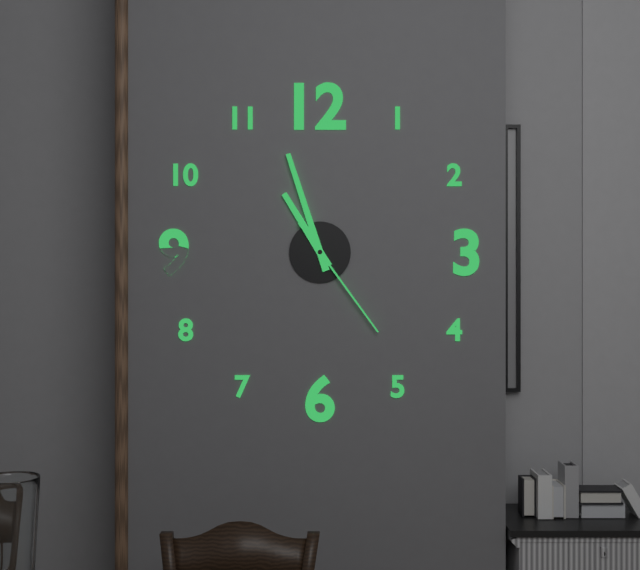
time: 10:57:24
